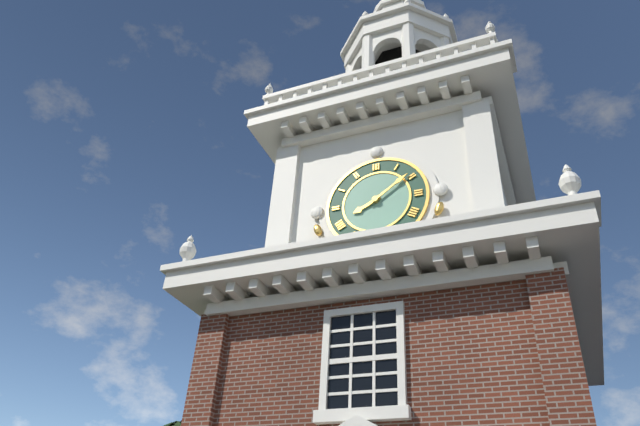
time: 8:09
